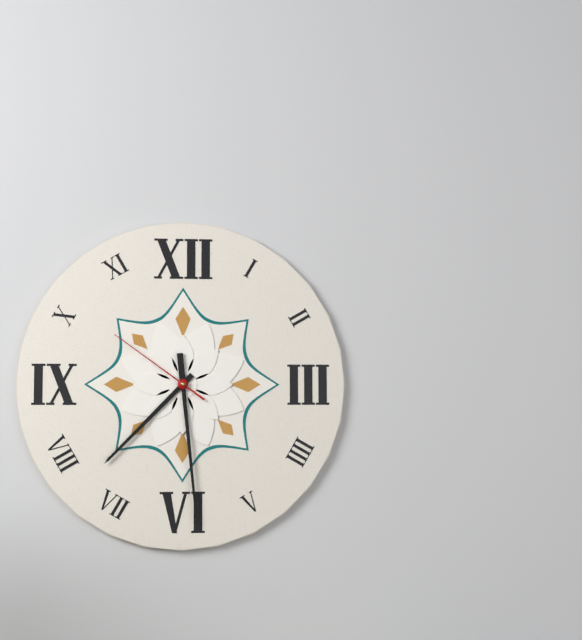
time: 7:29:51
